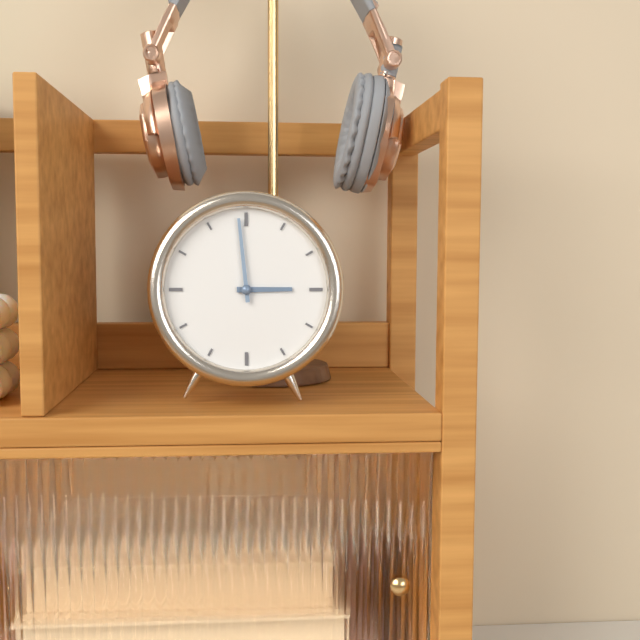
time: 2:59
